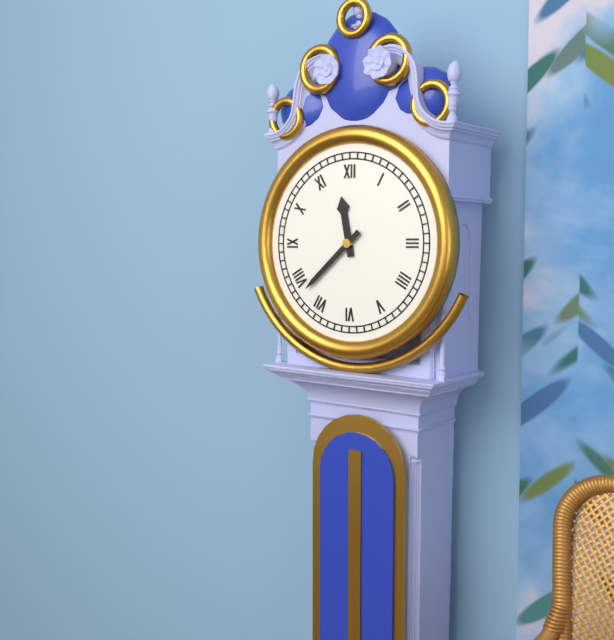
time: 11:38
